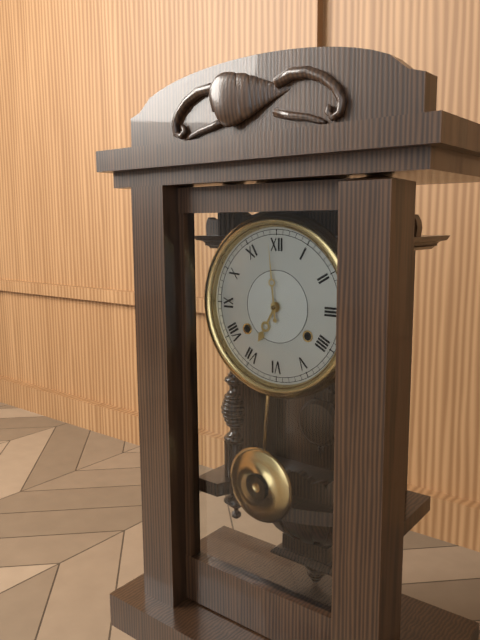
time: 6:59
